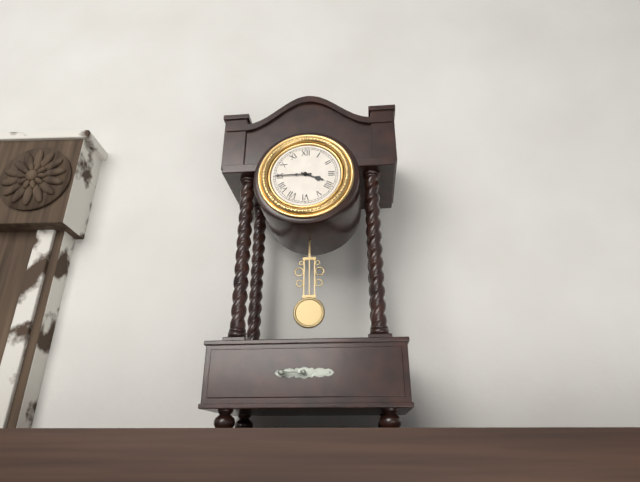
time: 3:45
